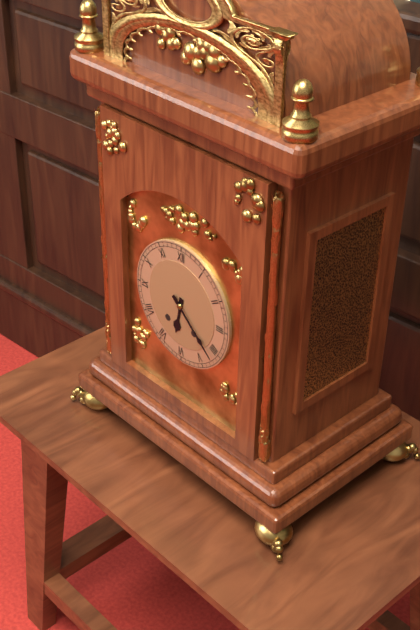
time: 6:22
